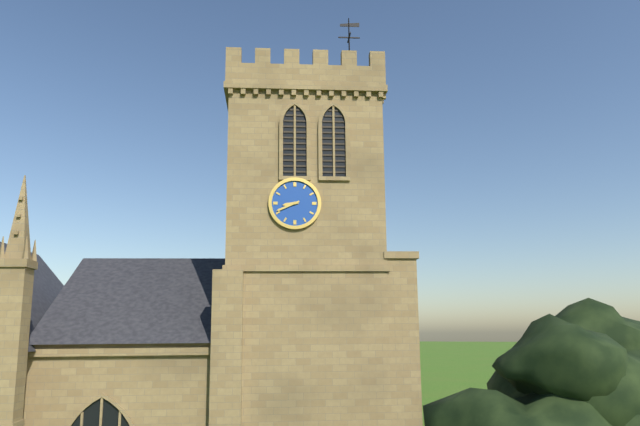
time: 8:41
